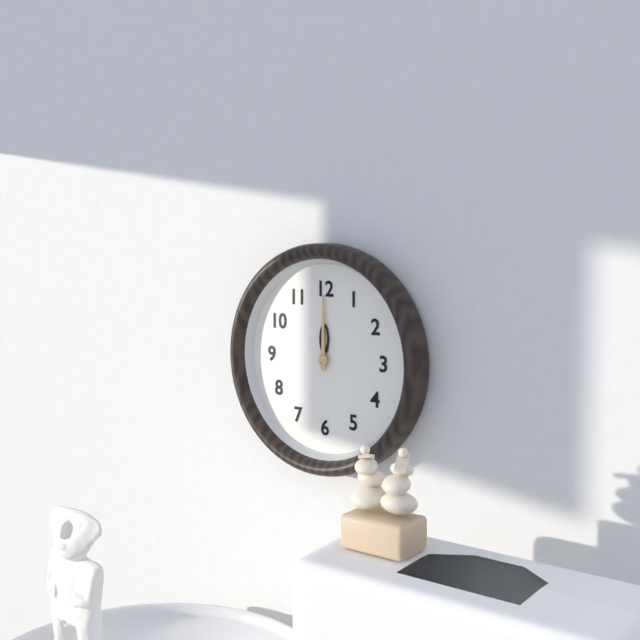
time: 12:00
